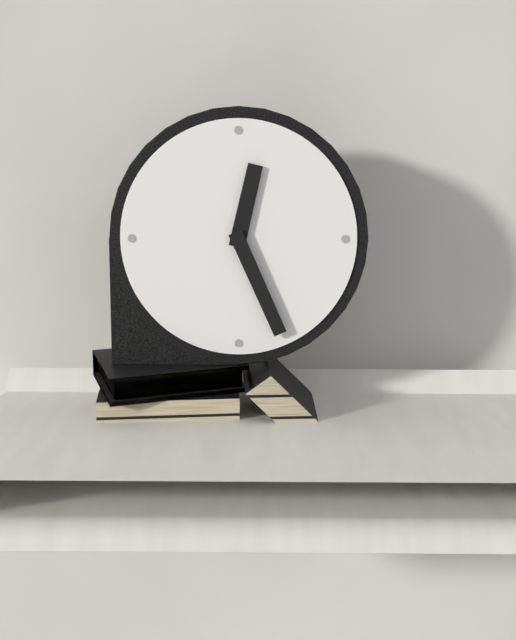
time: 12:26
